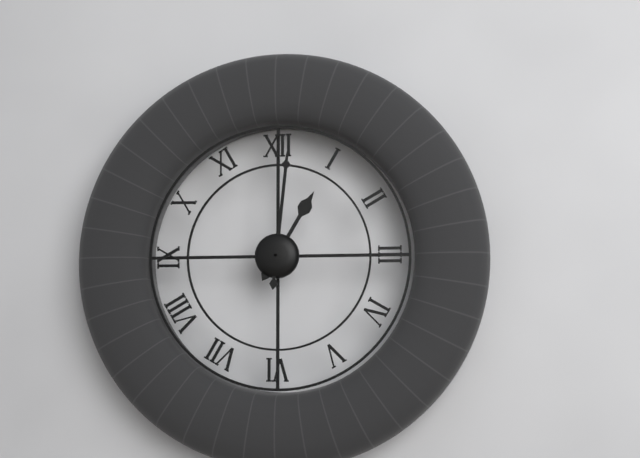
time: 1:01
